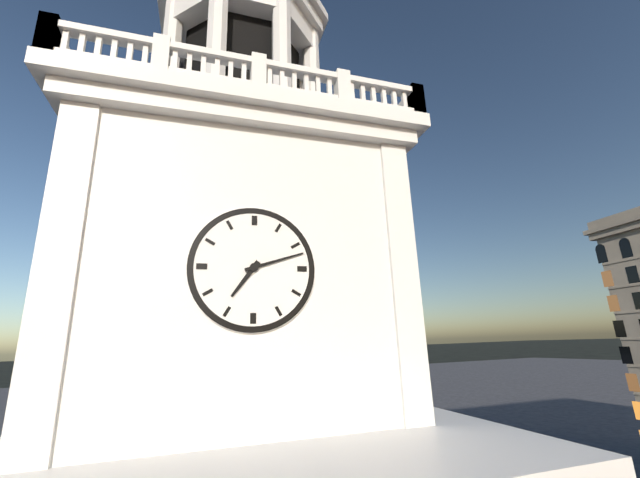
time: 7:12
